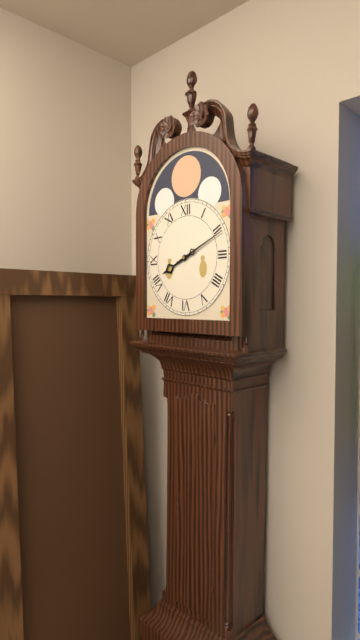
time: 8:11
